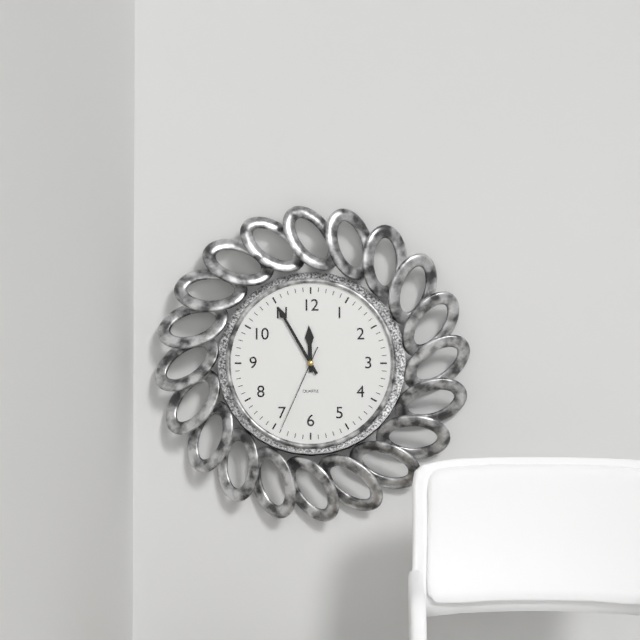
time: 11:55:34
